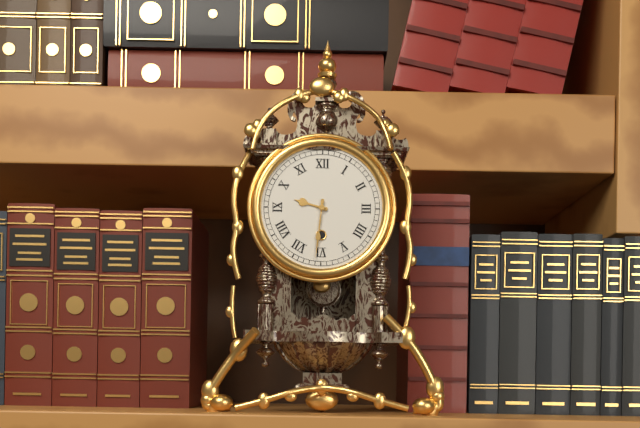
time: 9:31
